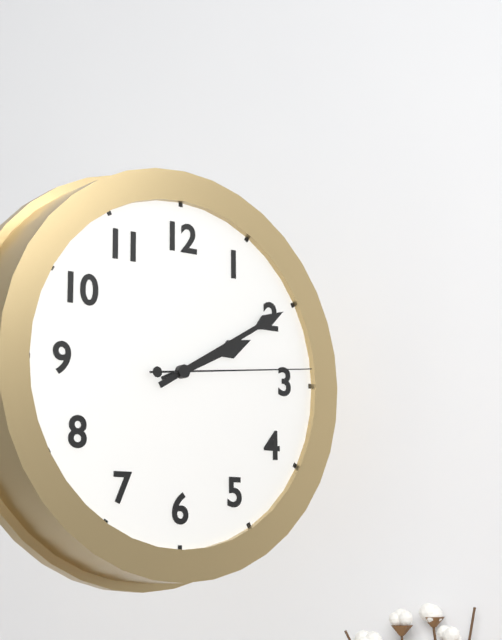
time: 2:10:14
